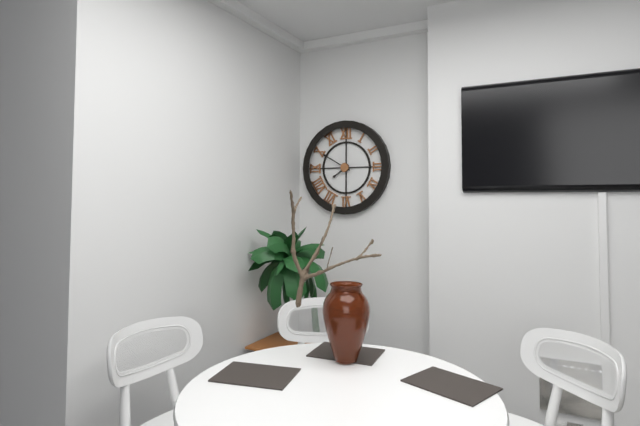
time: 7:50
